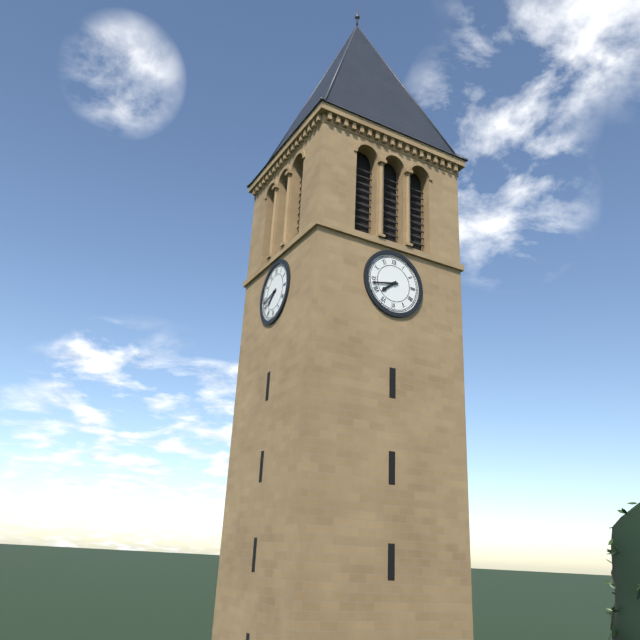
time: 7:43
